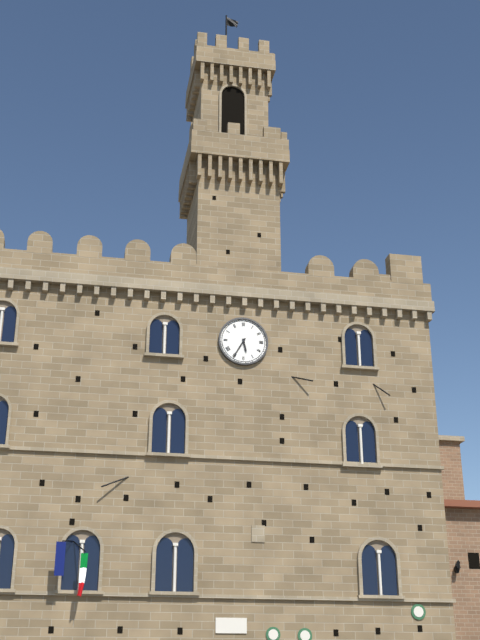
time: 5:35
